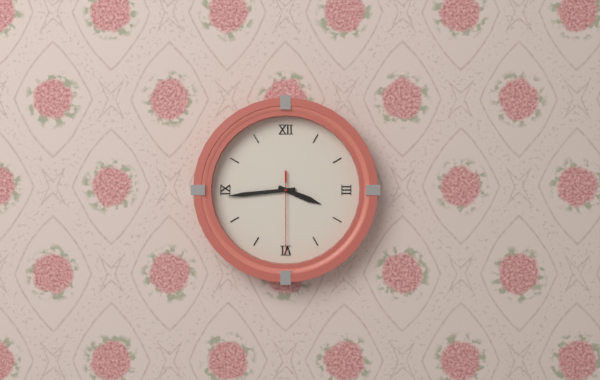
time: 3:44:30
